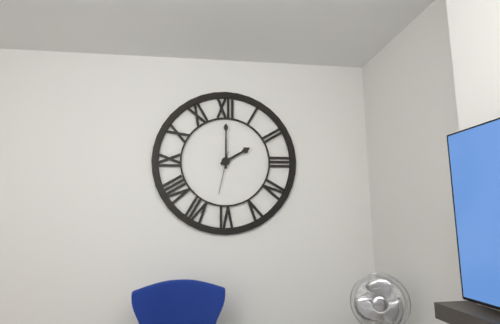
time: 2:00
